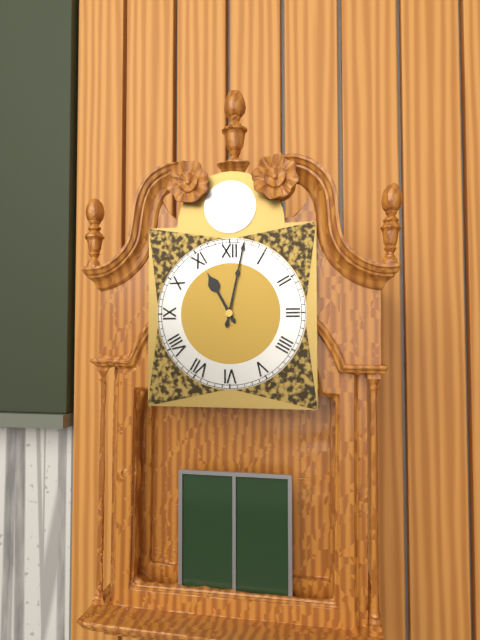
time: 11:02
